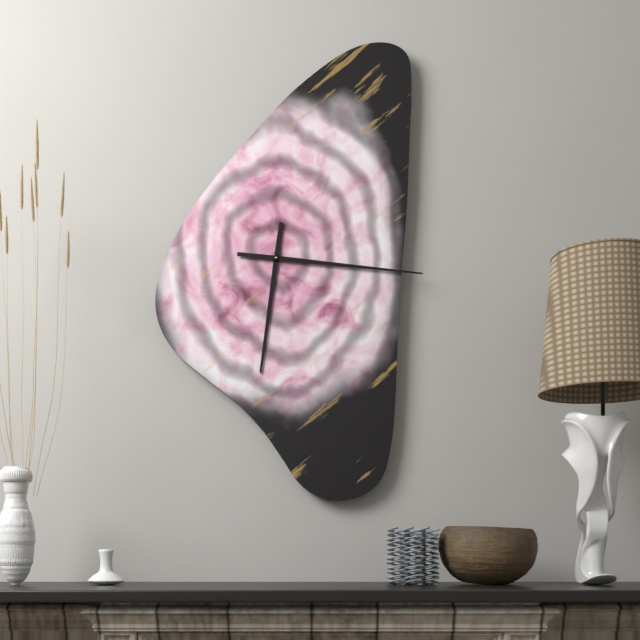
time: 6:16
